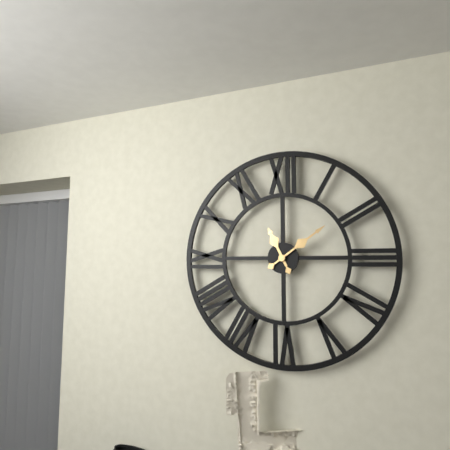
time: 11:09
